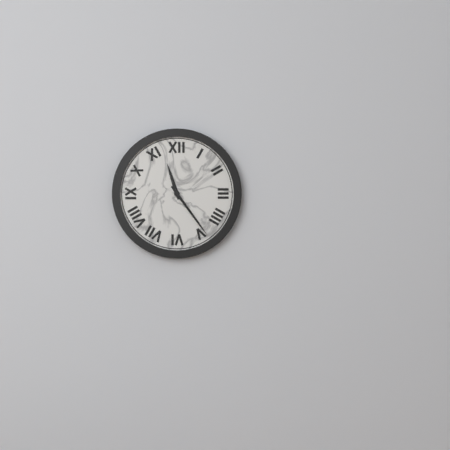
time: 11:24
